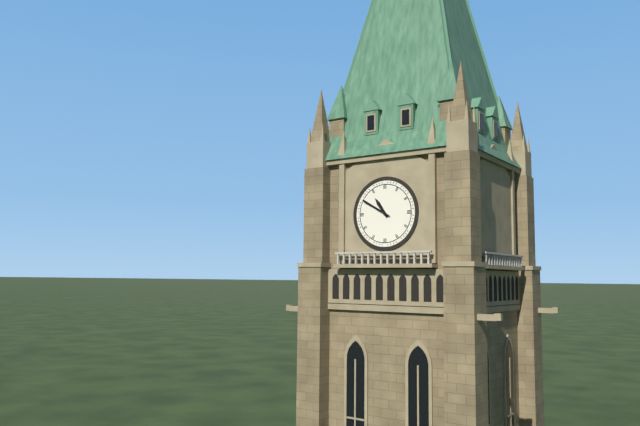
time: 10:50
